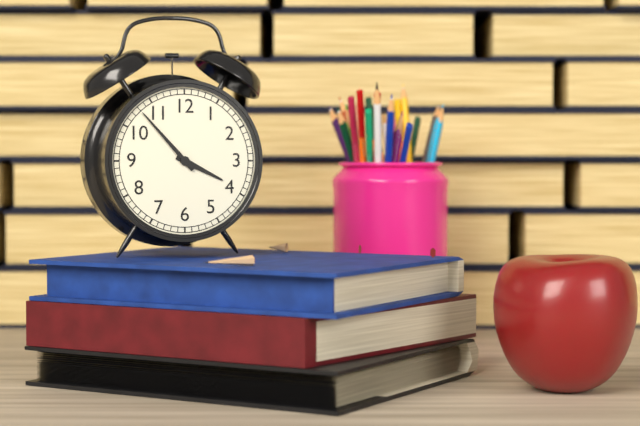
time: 3:53
